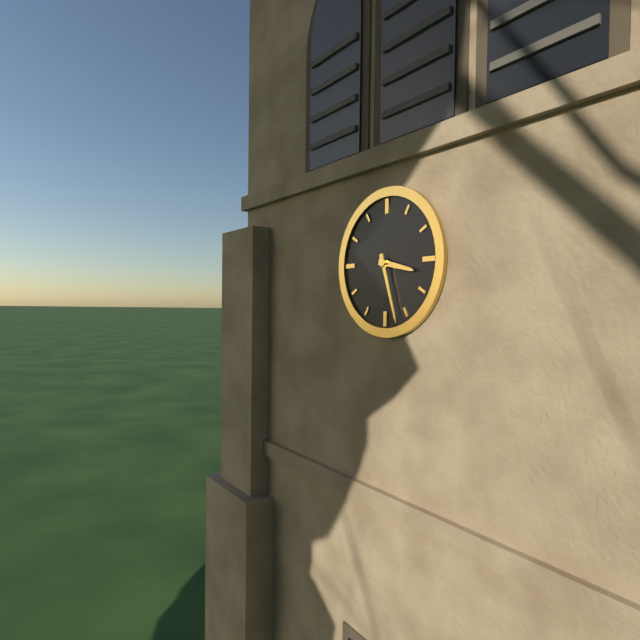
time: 3:27
